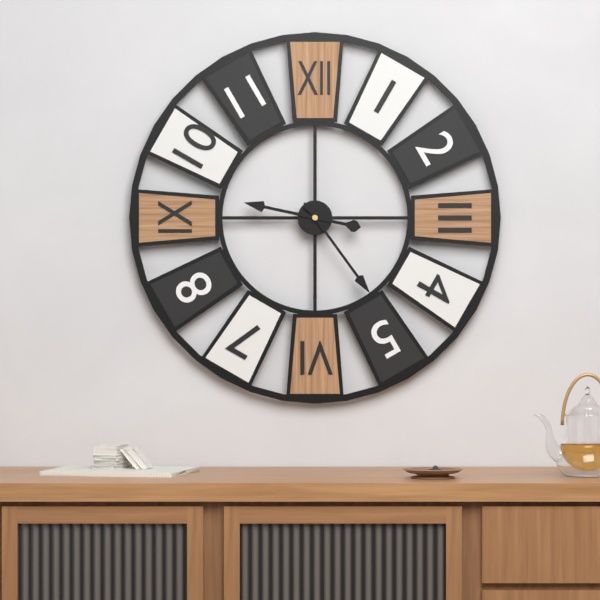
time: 9:24
